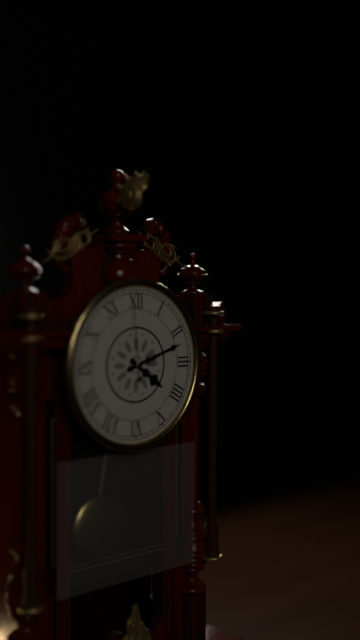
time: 4:12:59
